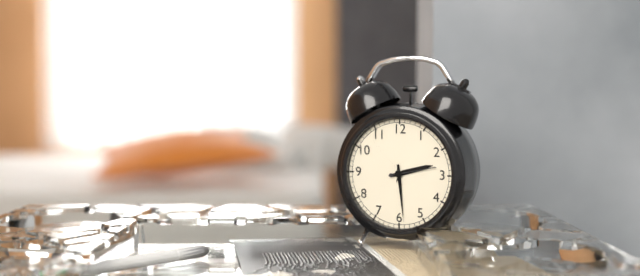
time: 2:29
